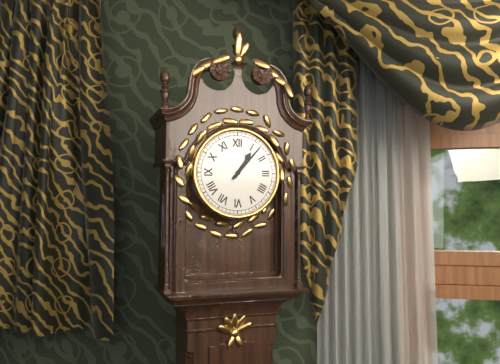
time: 1:07
